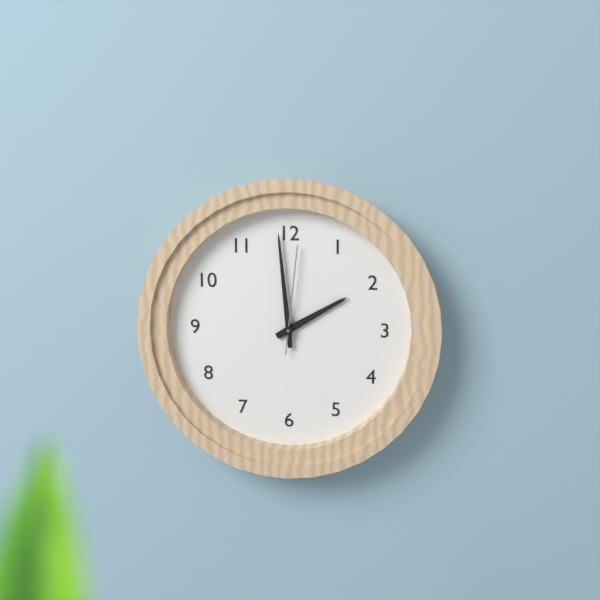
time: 1:59:01
